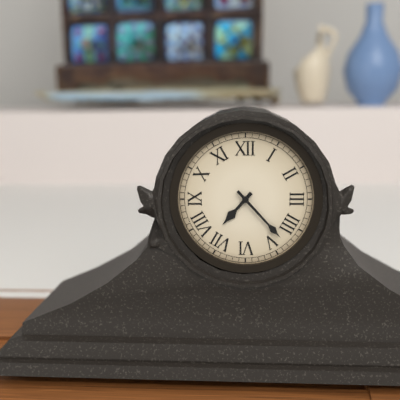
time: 7:23
